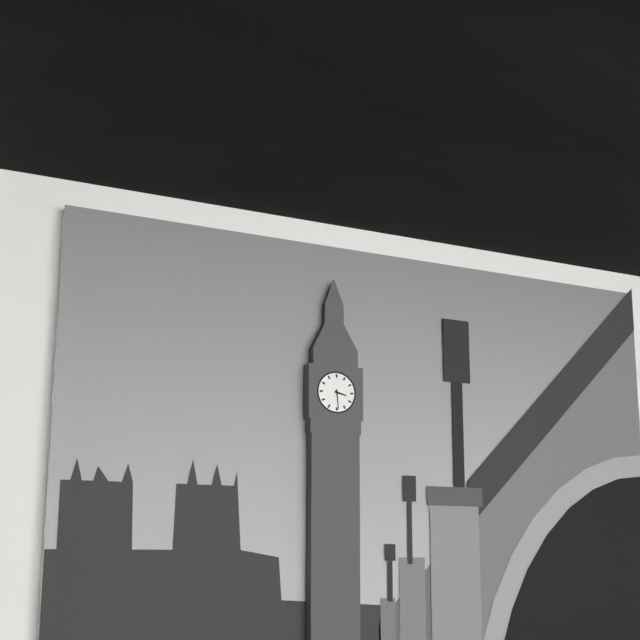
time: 3:29
